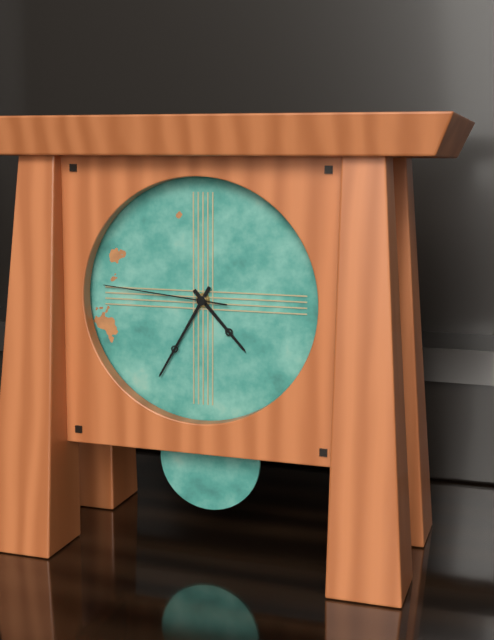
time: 4:35:46
